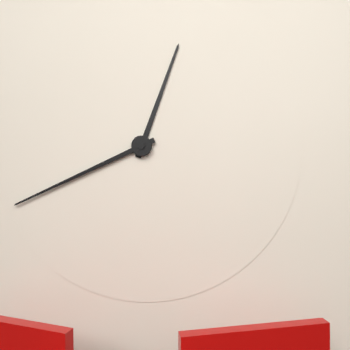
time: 12:41
